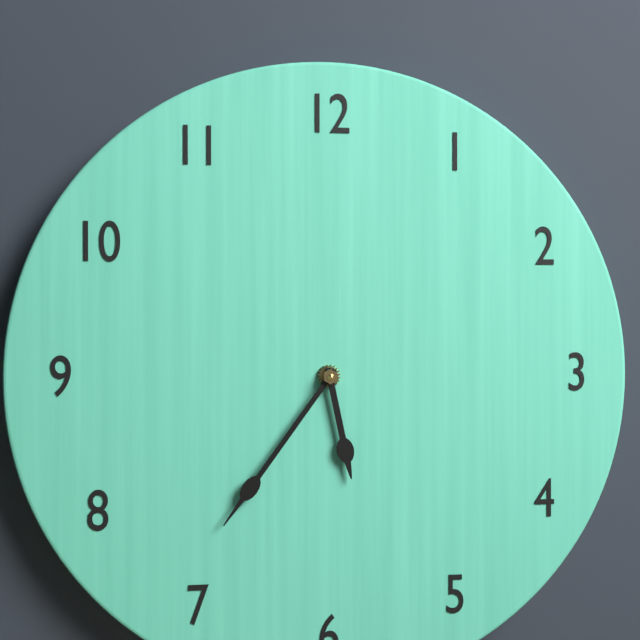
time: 5:36
